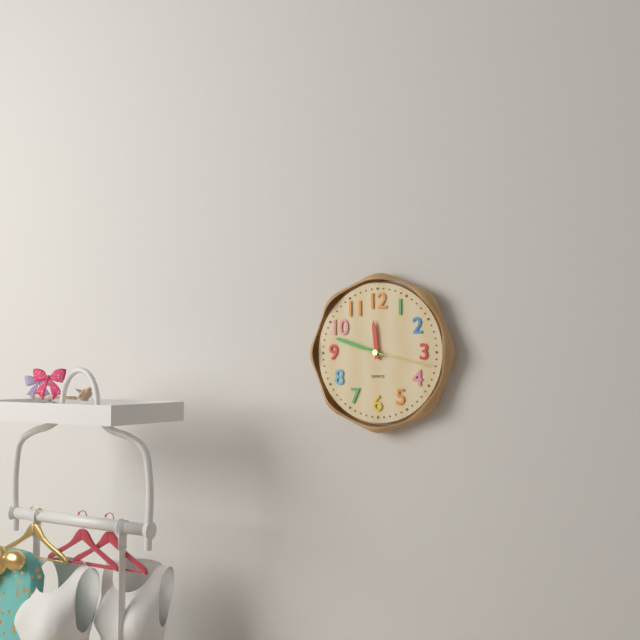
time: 11:48:17
